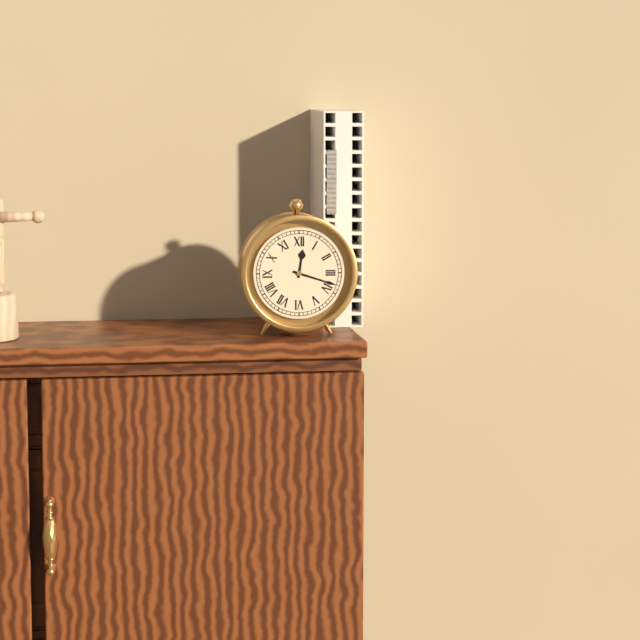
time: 12:18
